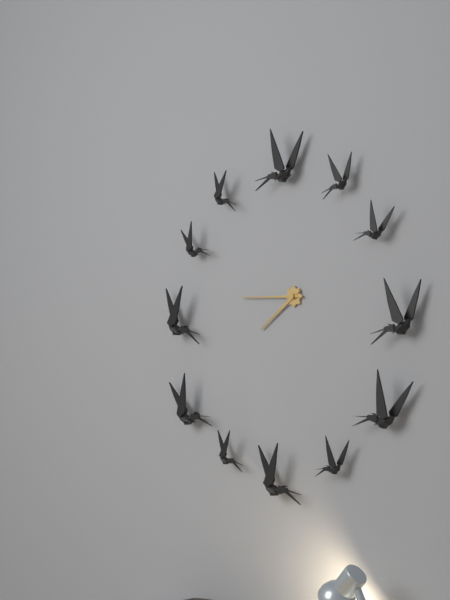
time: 7:45
